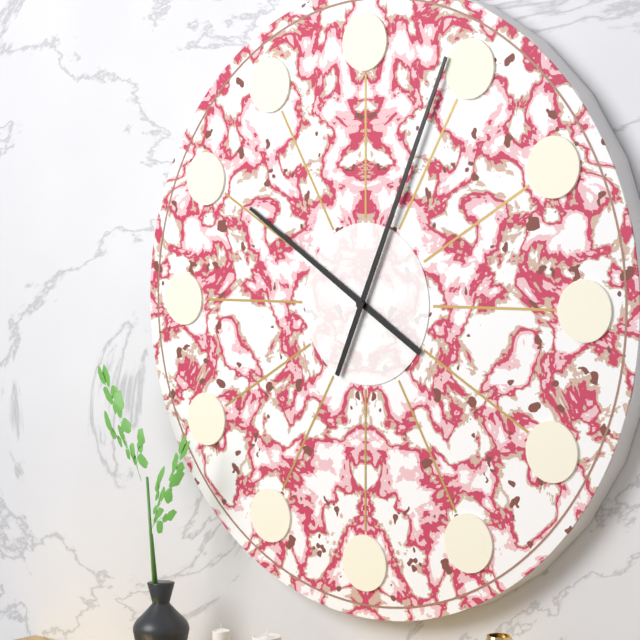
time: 10:04
